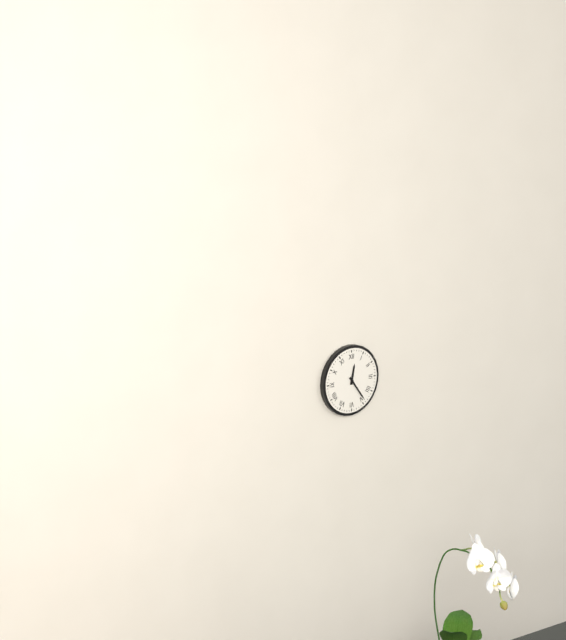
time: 12:24
